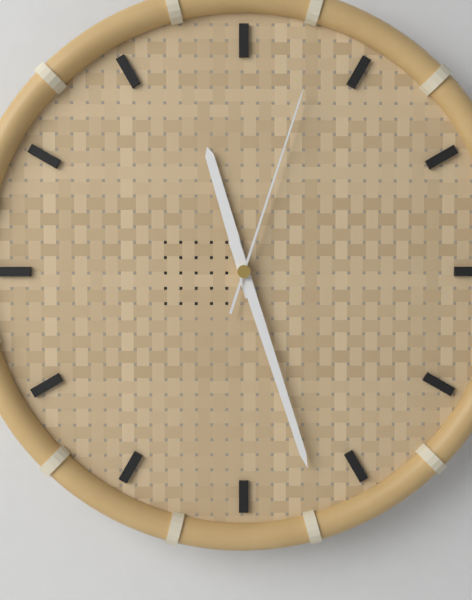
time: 11:27:03
